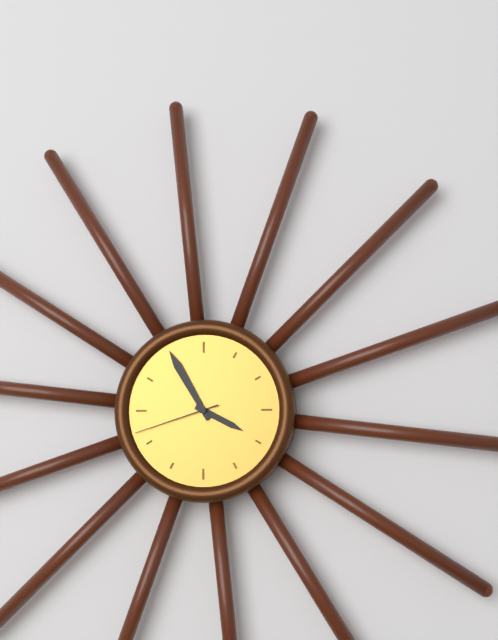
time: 3:55:42
